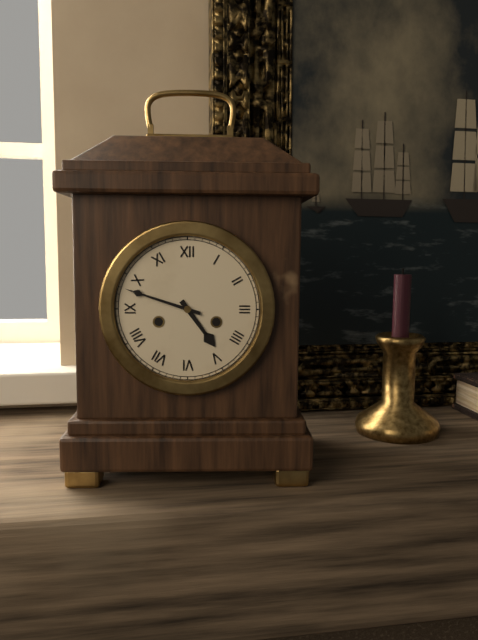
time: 4:48
